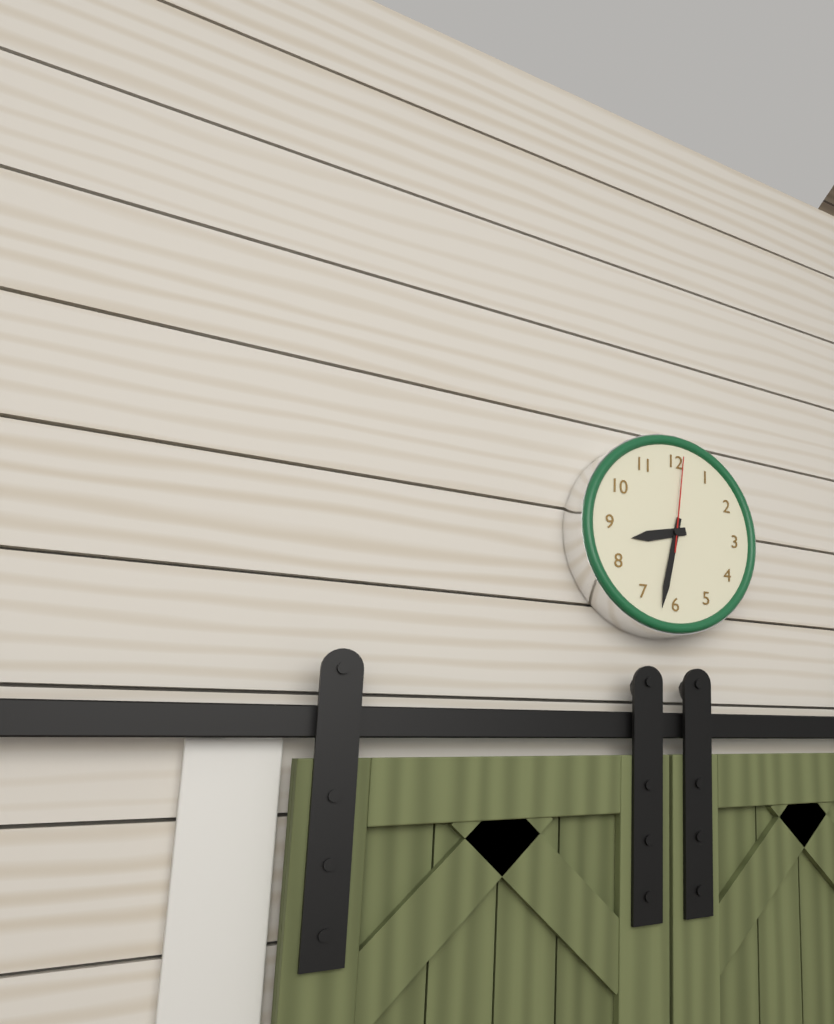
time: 8:32:01
